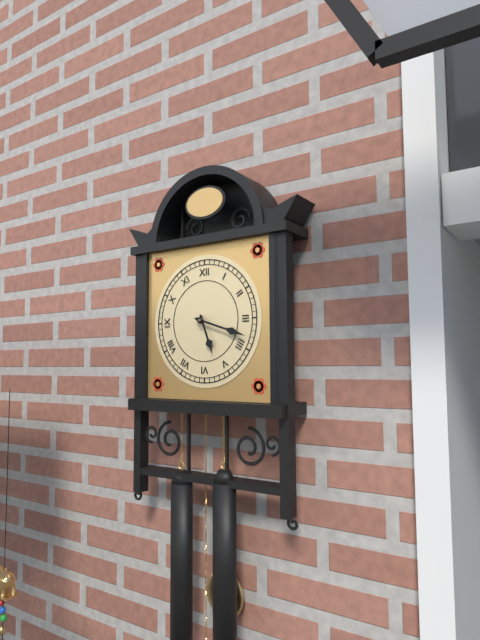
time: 5:18
